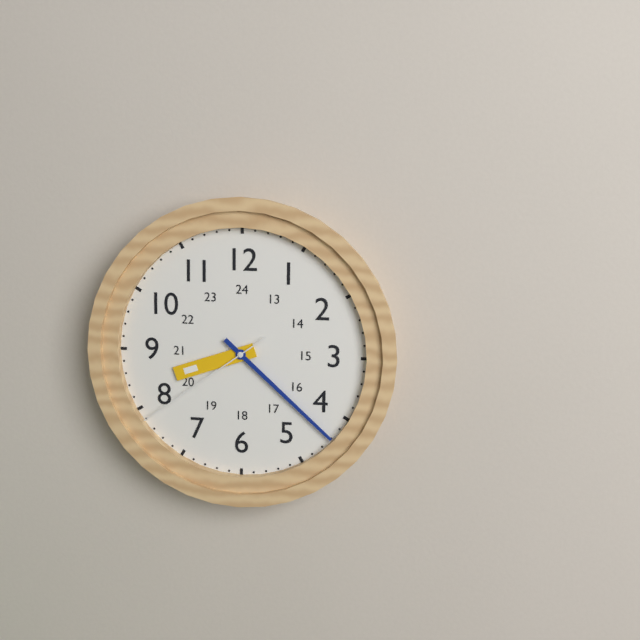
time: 8:22:39
